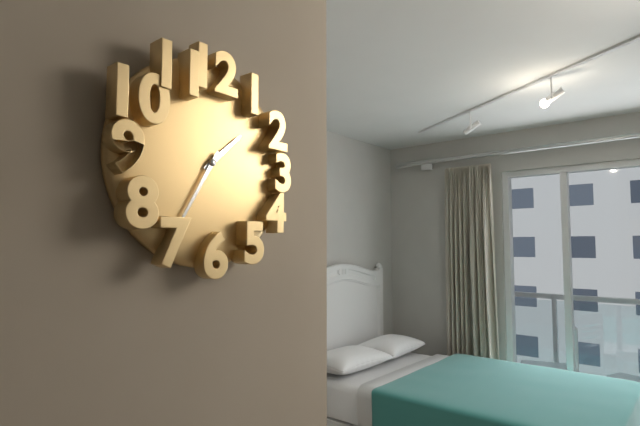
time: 1:35
